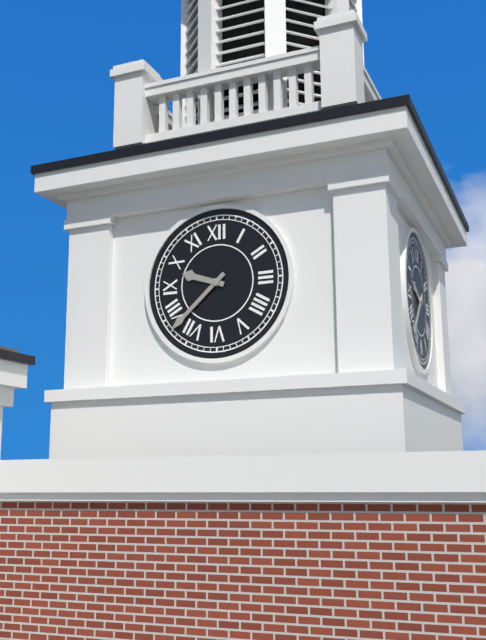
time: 9:38
